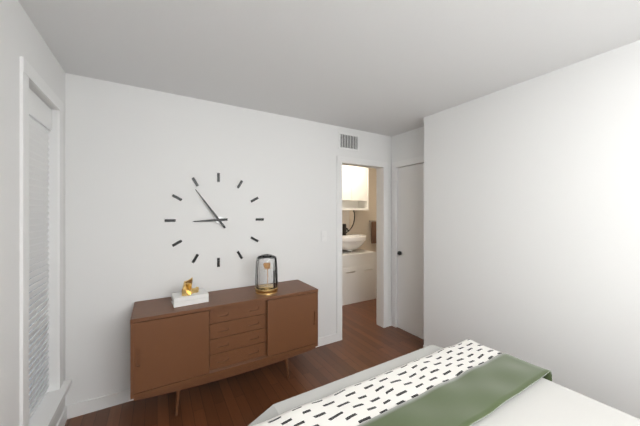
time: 8:54
